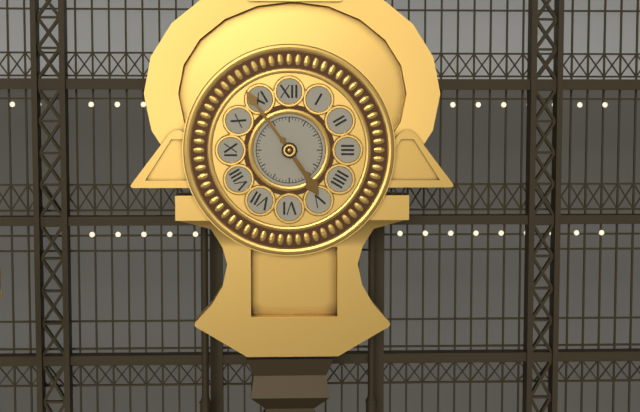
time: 4:54
